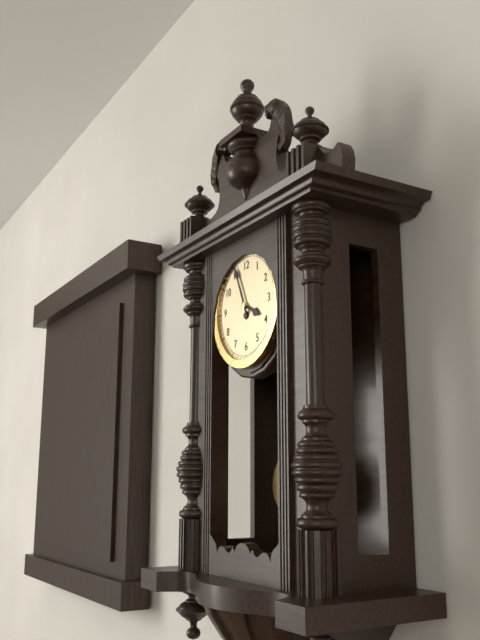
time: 3:56
